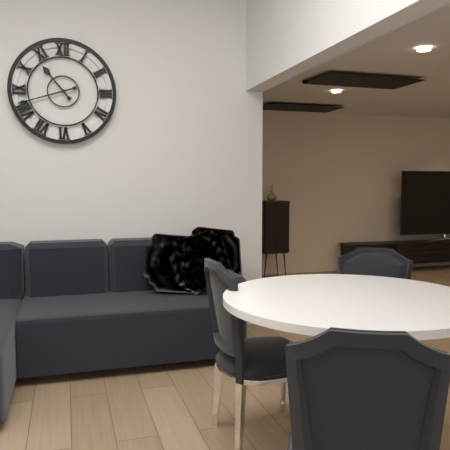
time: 10:42
